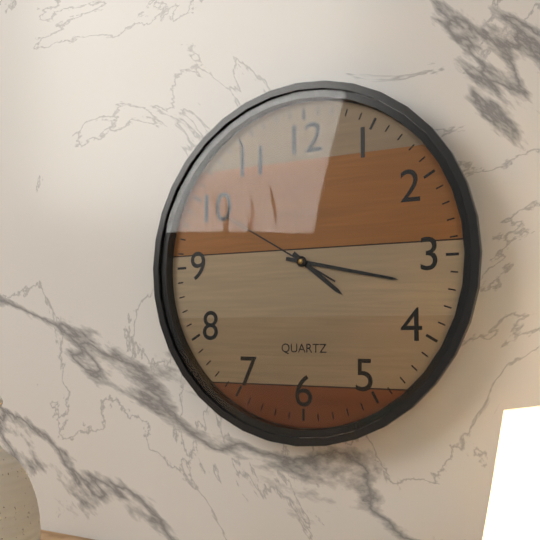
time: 4:17:50
